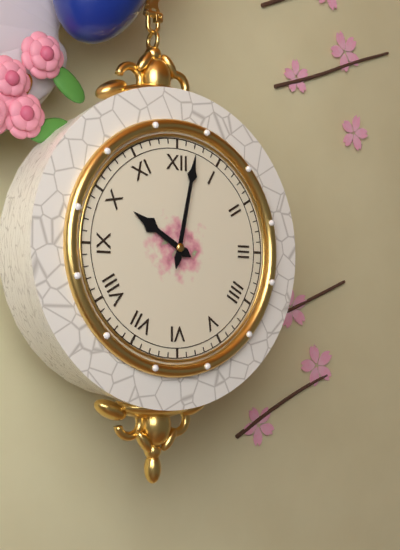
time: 10:02
